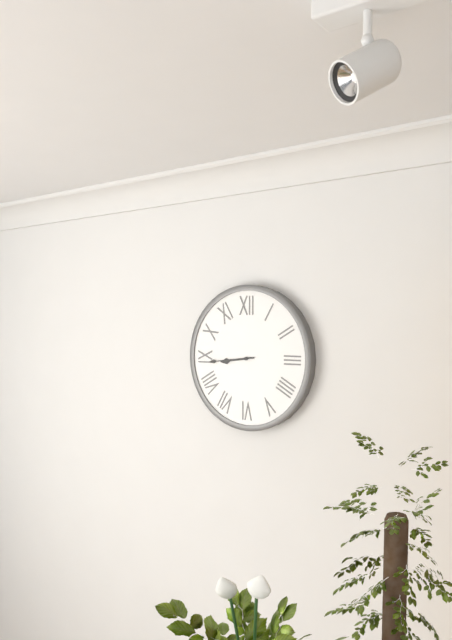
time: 8:44
